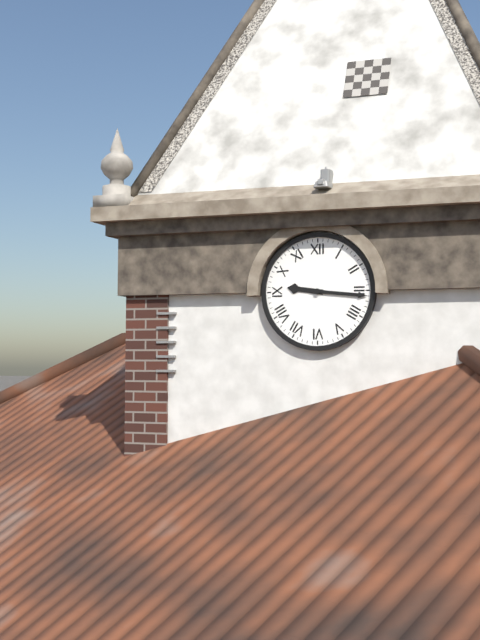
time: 9:16
